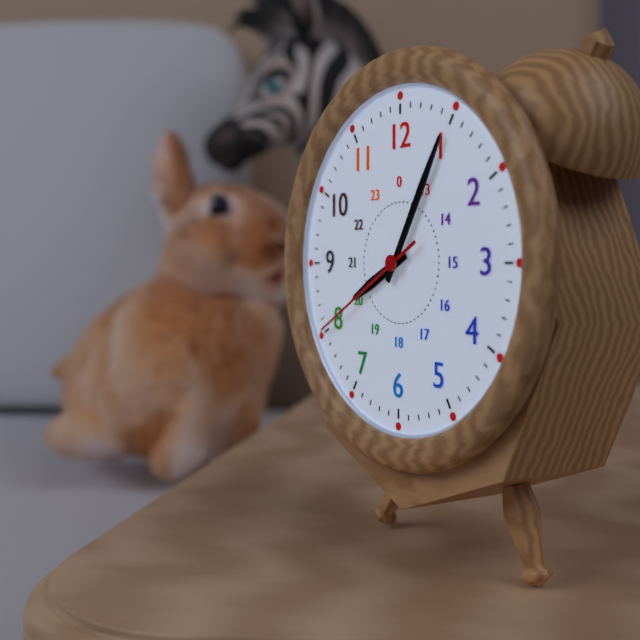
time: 8:05:40
